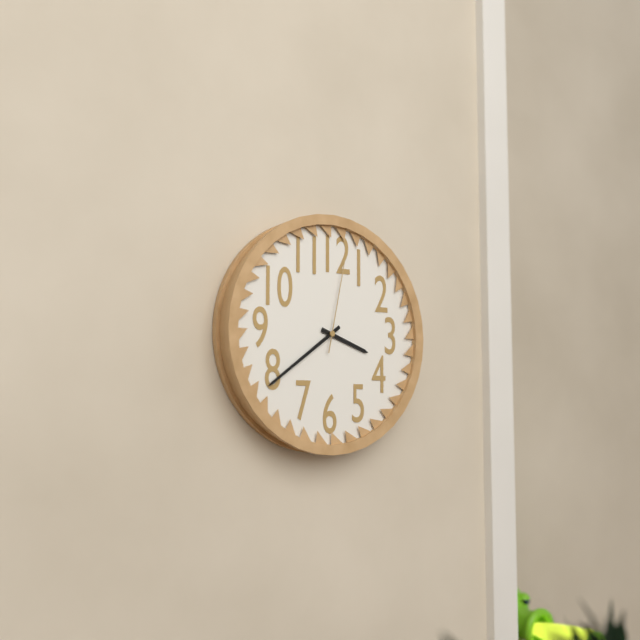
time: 3:39:02
